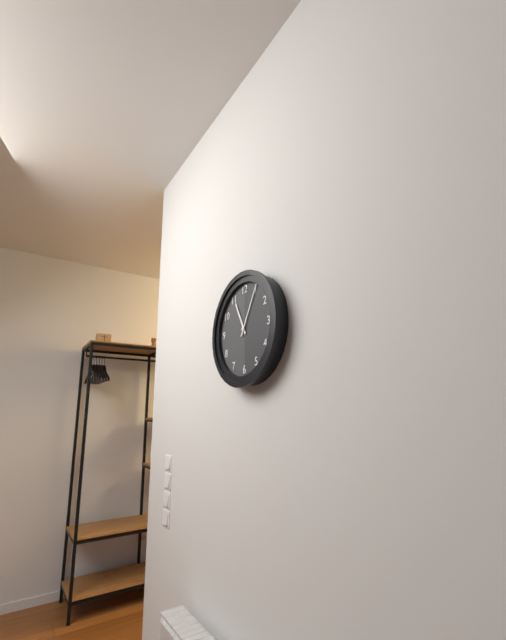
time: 11:05
